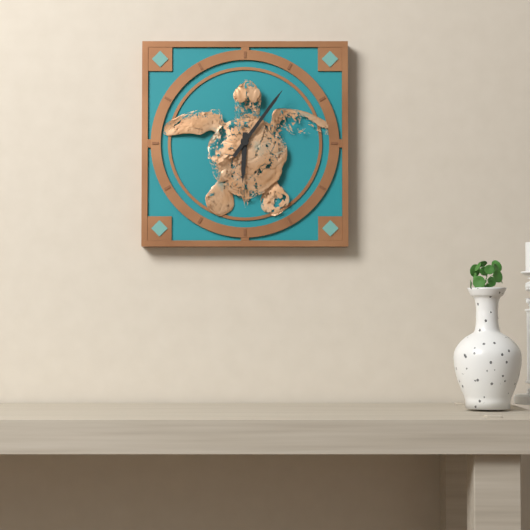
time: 6:06
